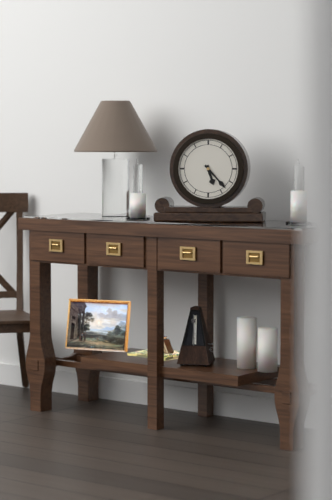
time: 5:23
